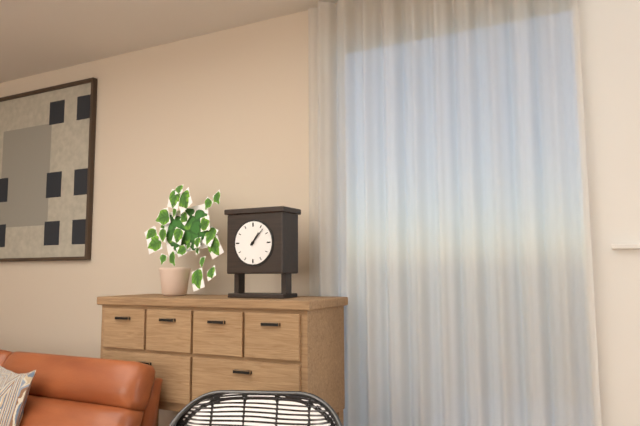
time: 1:07
